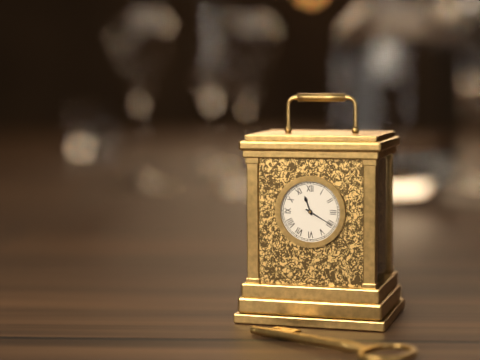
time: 11:20
